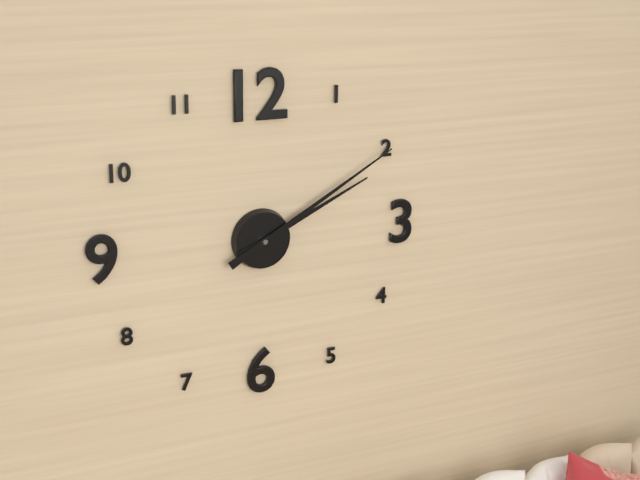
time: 2:10
